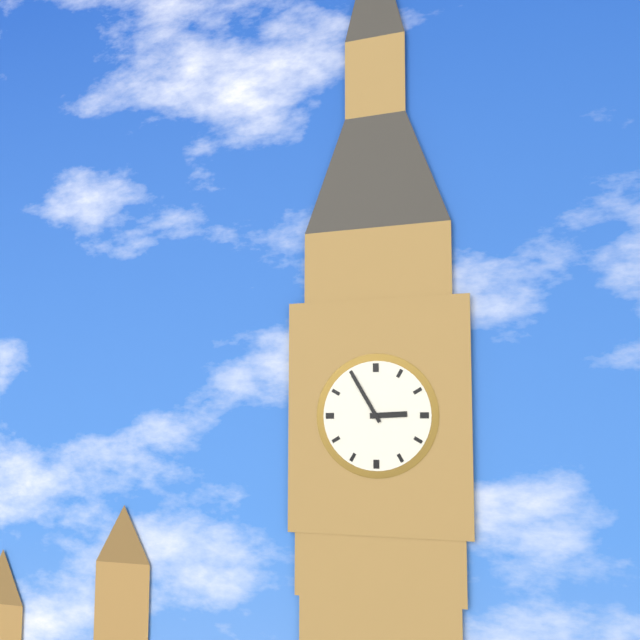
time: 2:55
